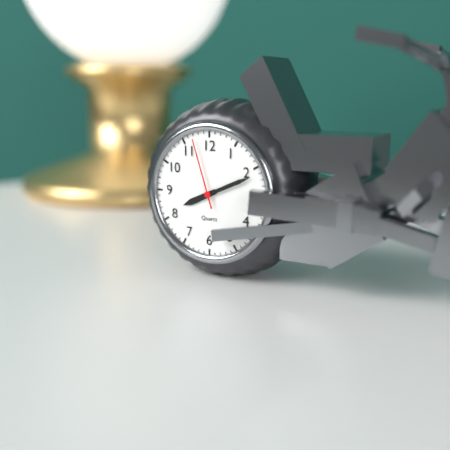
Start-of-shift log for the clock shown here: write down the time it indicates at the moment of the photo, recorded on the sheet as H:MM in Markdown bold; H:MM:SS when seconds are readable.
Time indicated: **8:11:57**
